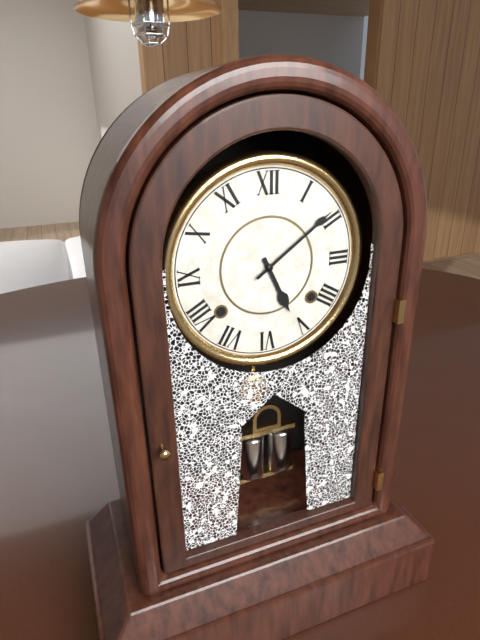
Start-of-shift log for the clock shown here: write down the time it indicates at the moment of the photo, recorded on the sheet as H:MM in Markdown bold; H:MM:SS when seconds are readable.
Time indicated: **5:09**
